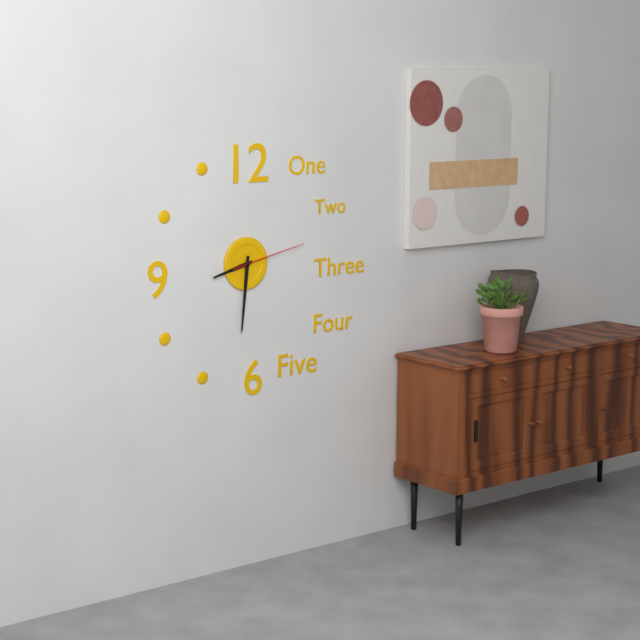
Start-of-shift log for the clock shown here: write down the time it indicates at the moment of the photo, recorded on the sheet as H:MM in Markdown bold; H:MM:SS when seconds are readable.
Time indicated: **8:31:13**
